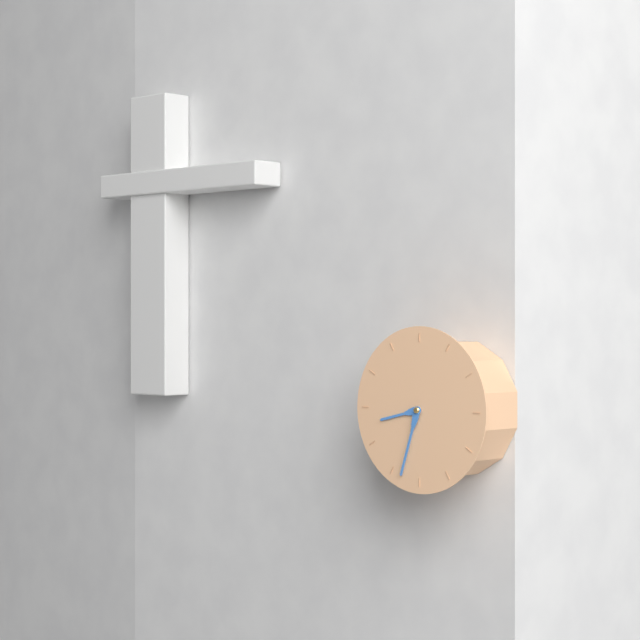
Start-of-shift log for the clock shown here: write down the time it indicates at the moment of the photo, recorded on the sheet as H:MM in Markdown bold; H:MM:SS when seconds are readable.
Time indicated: **8:33**
